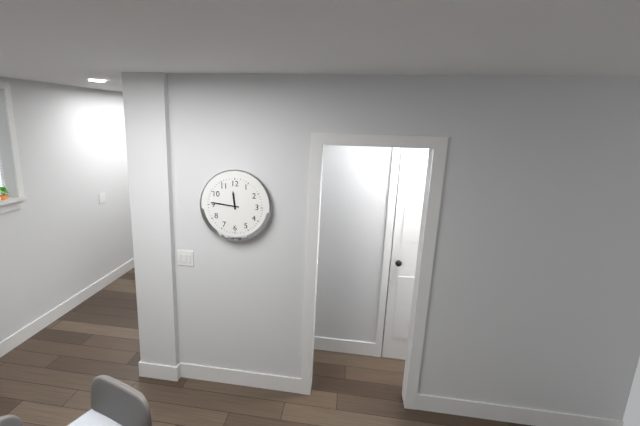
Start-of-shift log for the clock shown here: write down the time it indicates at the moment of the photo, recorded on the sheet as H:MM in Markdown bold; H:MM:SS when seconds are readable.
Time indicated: **11:46**
